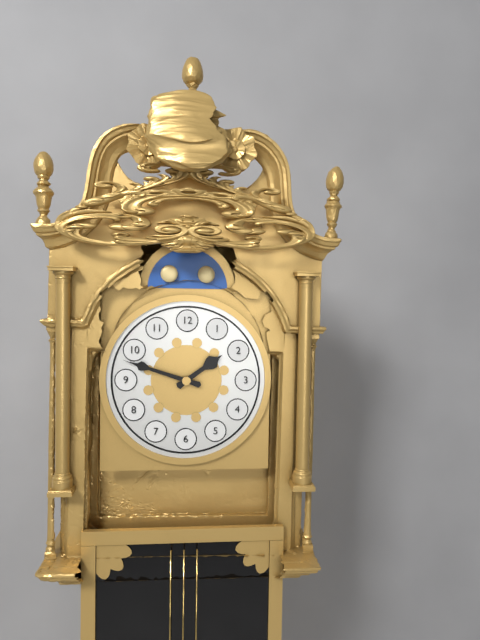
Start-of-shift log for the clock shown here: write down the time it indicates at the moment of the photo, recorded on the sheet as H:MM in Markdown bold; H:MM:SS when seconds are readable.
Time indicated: **1:48**
